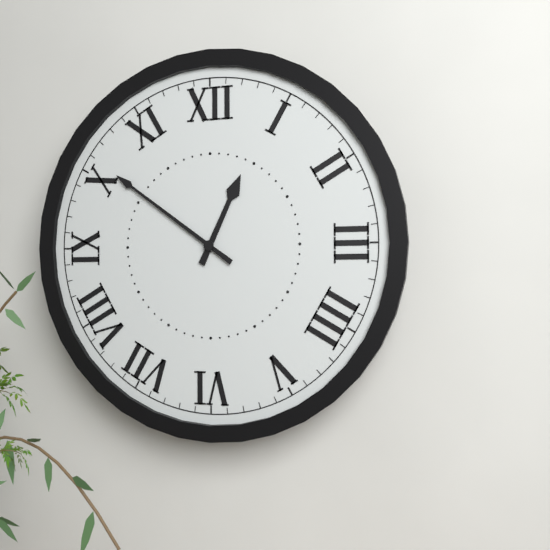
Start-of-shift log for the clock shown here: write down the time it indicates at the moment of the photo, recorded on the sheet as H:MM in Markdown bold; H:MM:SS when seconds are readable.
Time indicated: **12:51**
